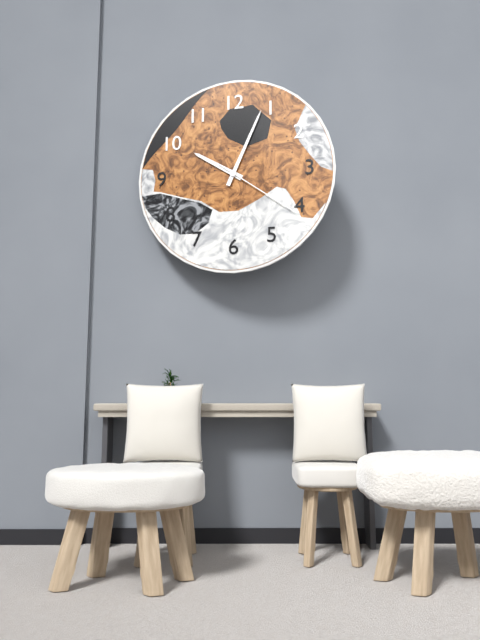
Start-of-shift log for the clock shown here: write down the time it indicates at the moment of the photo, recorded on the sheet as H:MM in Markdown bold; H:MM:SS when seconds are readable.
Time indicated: **10:04:21**
